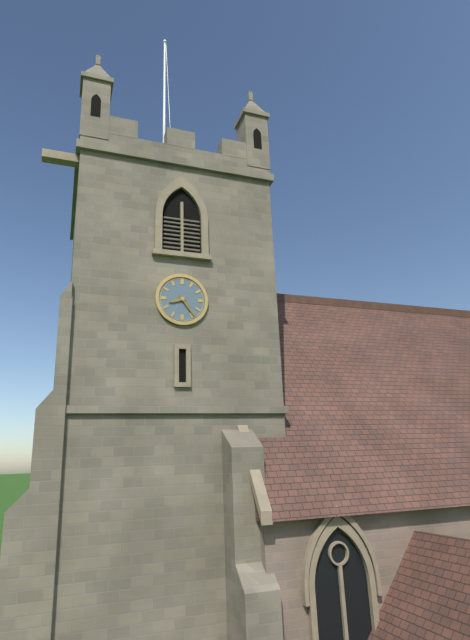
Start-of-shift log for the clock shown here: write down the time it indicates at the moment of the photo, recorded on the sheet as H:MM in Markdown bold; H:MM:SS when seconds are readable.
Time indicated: **8:24**
